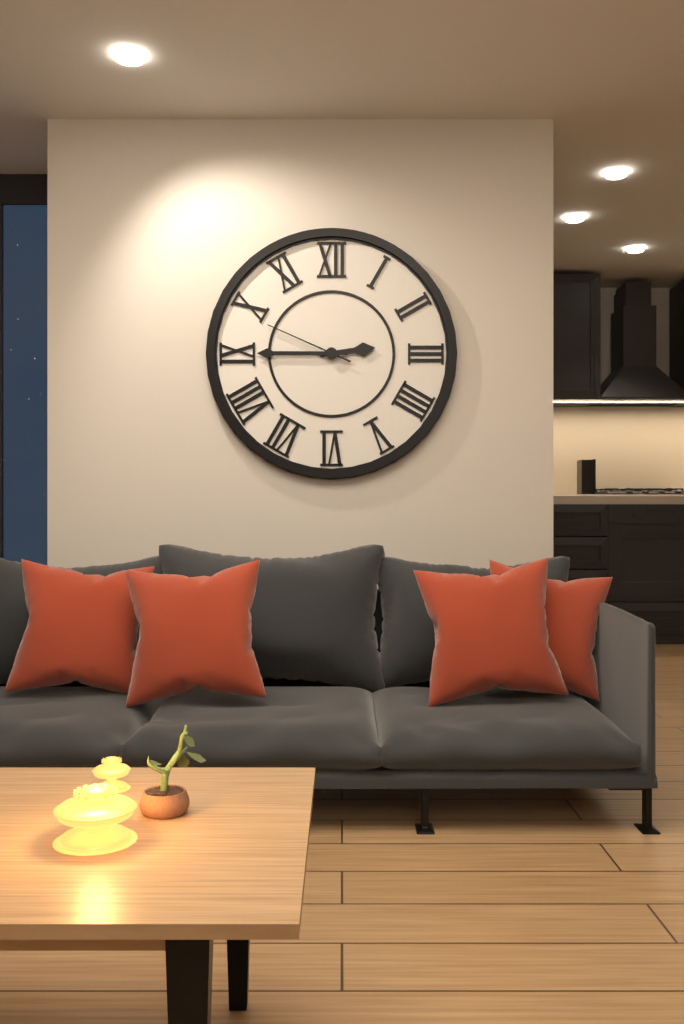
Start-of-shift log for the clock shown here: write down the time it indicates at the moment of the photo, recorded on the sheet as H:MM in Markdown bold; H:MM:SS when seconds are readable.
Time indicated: **2:45:49**
